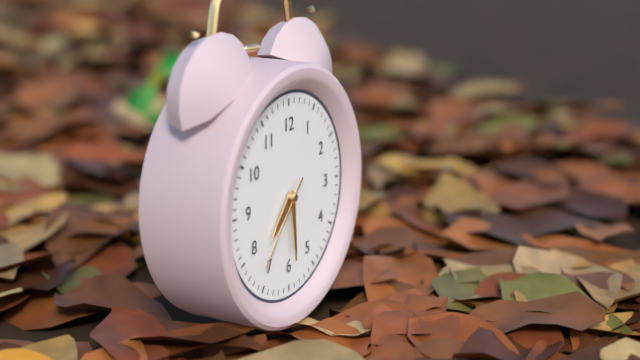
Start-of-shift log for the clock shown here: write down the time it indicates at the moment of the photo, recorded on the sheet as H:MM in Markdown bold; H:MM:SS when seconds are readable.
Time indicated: **7:29:37**
